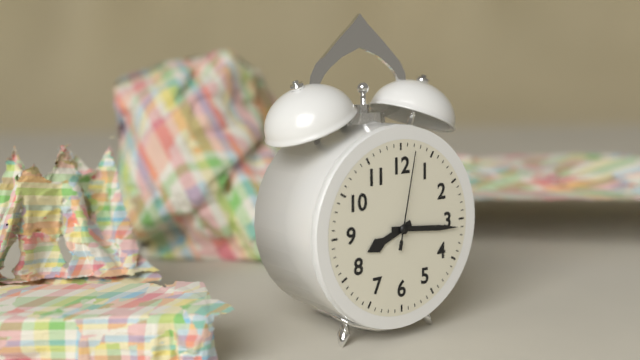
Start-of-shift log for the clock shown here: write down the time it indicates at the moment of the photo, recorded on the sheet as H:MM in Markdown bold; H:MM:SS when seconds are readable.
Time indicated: **8:16:02**
